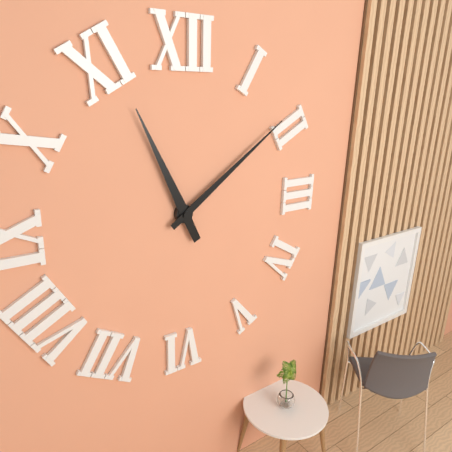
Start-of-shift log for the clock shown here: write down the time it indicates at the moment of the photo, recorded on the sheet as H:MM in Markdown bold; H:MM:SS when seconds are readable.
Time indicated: **11:09**
